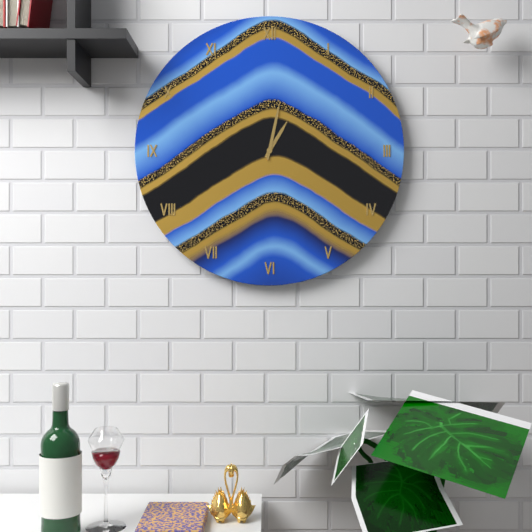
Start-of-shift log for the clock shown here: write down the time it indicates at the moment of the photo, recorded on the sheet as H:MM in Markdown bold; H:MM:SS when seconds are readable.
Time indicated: **1:02**
